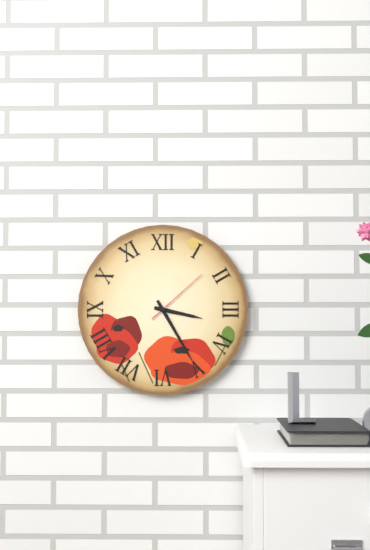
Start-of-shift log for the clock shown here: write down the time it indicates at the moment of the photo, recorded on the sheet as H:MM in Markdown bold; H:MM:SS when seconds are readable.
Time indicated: **3:25:08**
